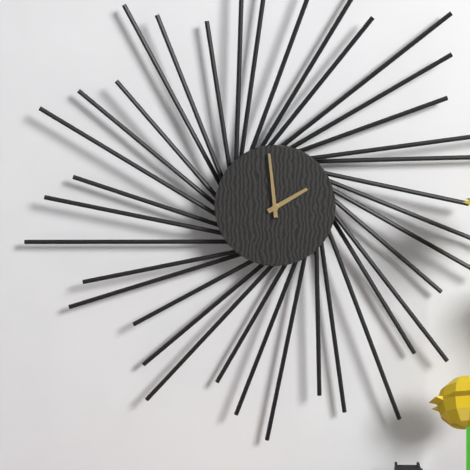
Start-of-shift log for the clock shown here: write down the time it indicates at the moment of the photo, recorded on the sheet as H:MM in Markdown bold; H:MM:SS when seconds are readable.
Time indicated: **1:59**
